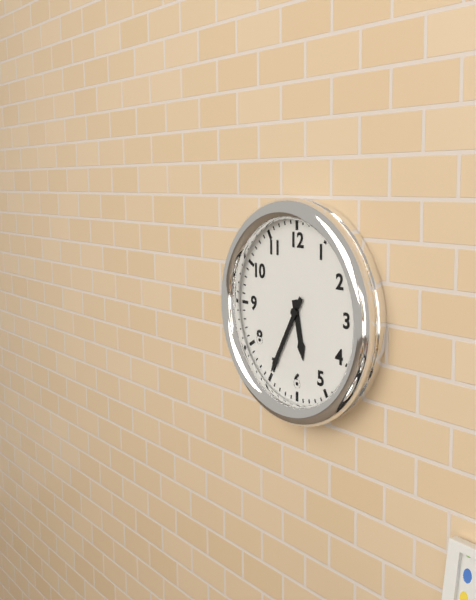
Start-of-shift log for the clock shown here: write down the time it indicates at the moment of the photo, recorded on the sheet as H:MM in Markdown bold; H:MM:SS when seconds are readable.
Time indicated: **5:35**
